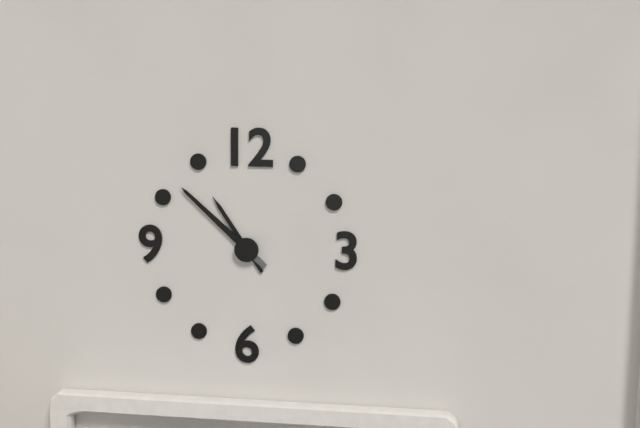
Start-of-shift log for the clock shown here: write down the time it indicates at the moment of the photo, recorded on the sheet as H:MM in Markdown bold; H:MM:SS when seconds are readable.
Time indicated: **10:52**
